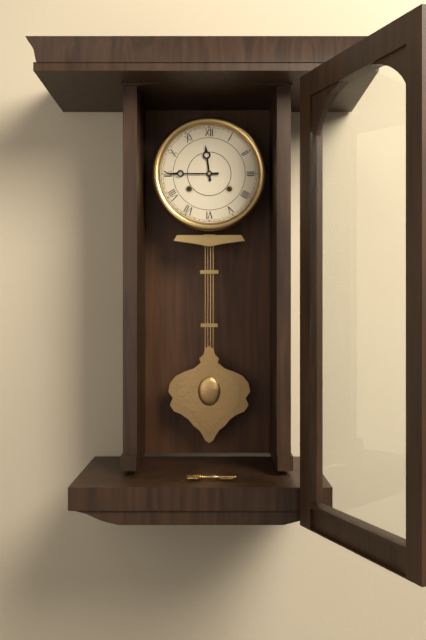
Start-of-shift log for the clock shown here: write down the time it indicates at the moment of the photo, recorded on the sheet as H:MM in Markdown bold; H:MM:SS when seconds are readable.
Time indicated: **11:45**
